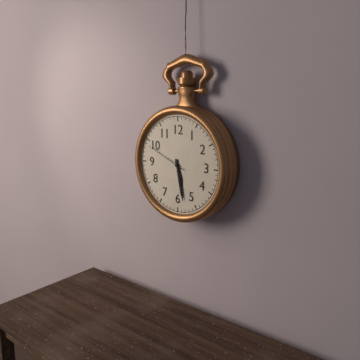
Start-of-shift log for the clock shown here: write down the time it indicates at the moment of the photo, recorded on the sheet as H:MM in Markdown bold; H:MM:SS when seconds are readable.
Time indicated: **5:28**
